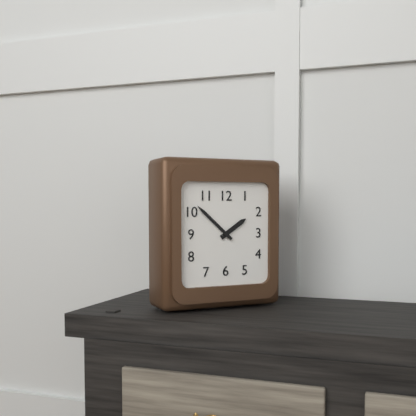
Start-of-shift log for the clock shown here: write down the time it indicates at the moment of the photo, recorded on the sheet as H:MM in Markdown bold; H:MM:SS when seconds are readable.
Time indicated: **1:52**
